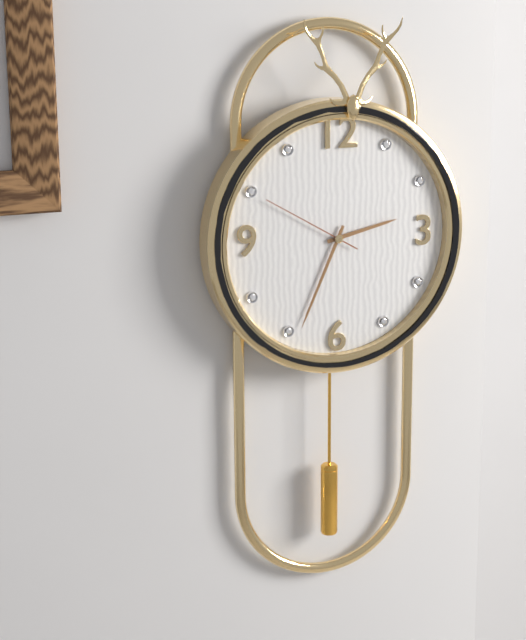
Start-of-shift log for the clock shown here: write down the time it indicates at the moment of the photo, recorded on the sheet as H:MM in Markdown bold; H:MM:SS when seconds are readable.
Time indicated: **2:34:50**
